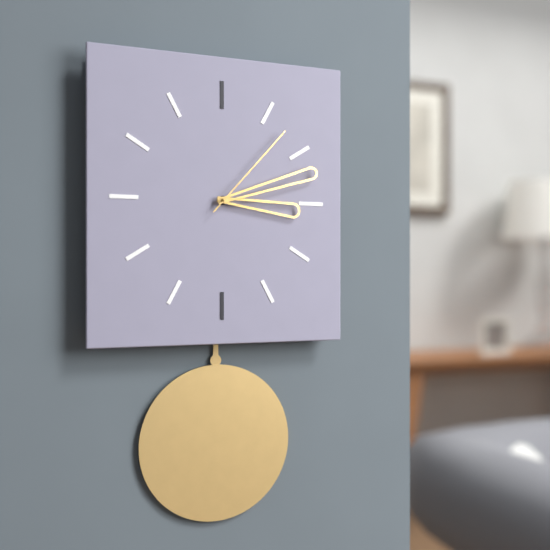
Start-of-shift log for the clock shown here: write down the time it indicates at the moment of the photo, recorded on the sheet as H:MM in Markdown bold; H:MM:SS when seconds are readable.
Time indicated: **3:12:07**
